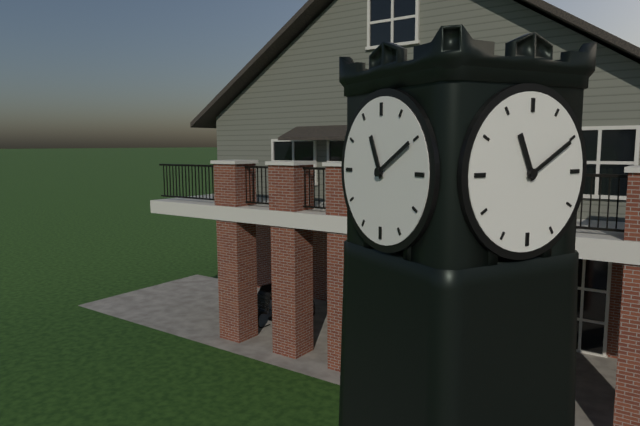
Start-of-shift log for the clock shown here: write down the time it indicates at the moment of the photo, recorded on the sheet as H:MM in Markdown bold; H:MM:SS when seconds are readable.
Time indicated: **11:10**
